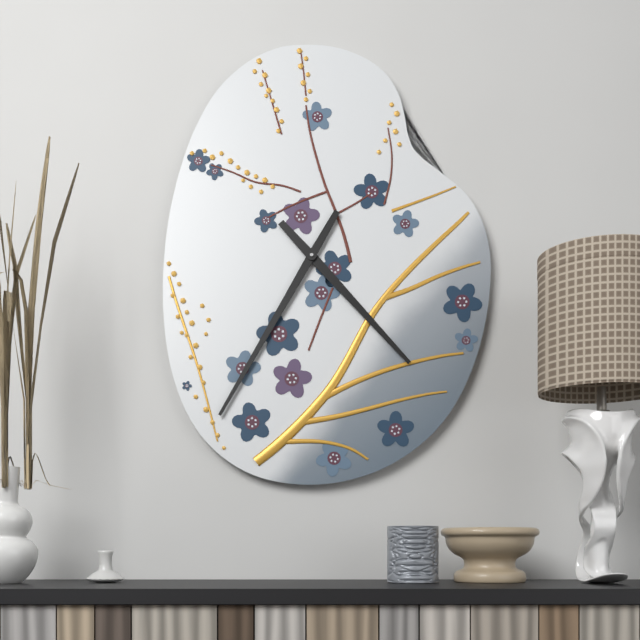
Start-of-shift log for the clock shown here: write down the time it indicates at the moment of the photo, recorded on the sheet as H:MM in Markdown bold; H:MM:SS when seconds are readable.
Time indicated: **4:35**
